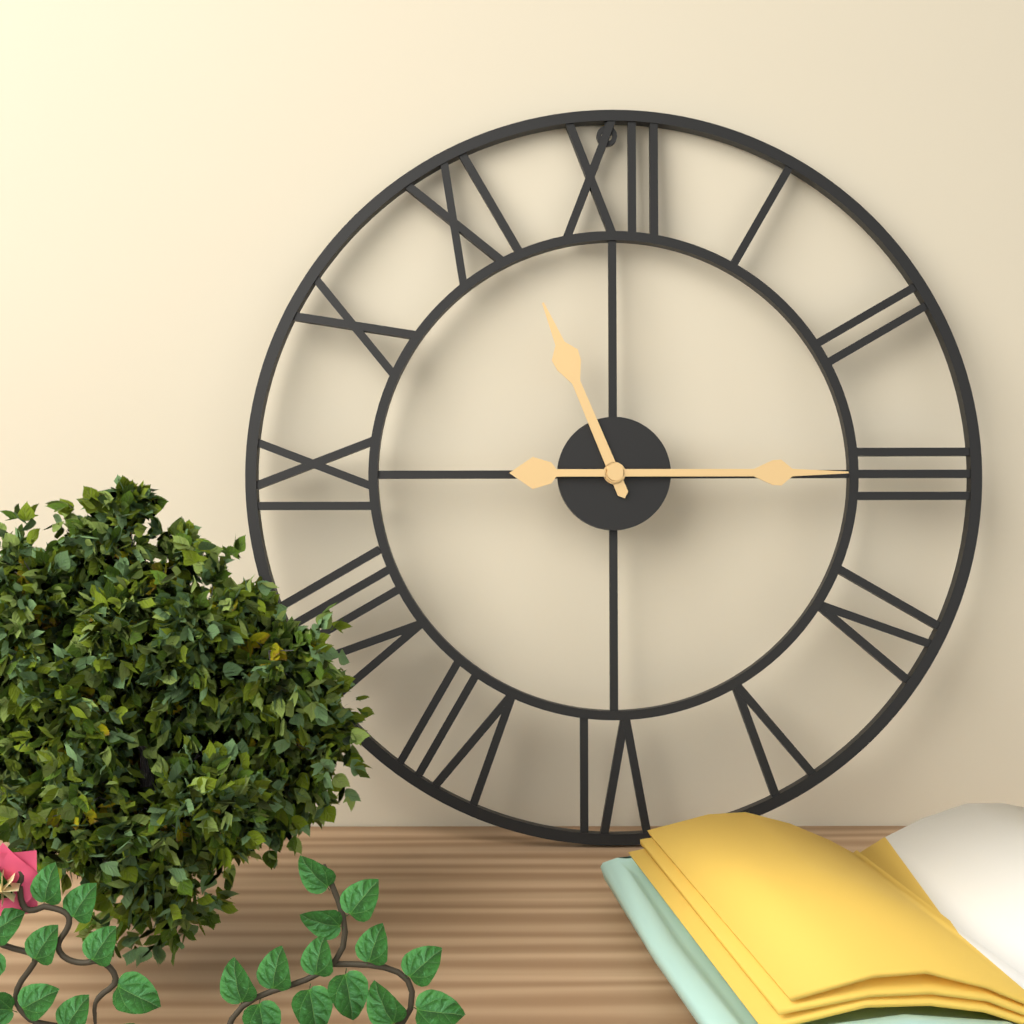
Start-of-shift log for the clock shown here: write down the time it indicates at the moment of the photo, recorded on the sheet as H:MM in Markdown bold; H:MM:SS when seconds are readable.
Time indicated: **11:15**
